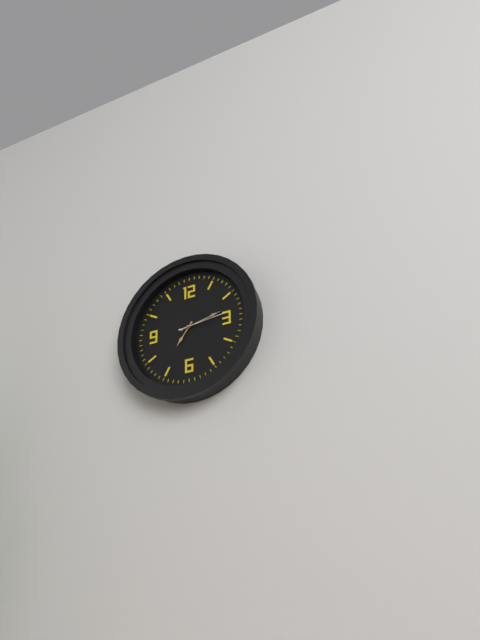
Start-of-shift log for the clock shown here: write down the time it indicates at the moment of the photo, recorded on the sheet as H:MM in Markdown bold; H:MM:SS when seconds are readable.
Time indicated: **7:13:14**
